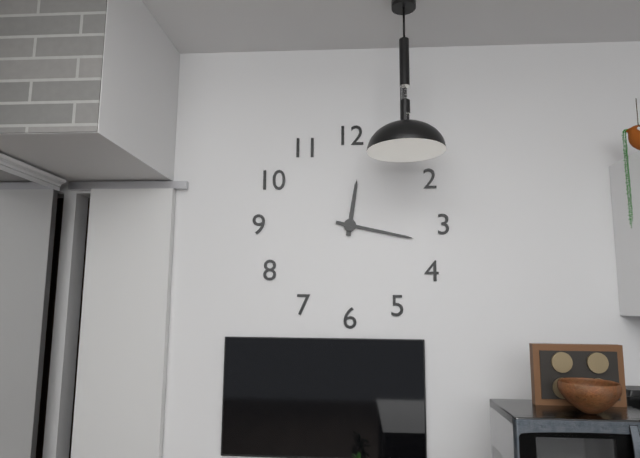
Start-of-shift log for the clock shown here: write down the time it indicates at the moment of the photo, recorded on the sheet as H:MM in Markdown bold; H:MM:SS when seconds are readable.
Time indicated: **12:17**
